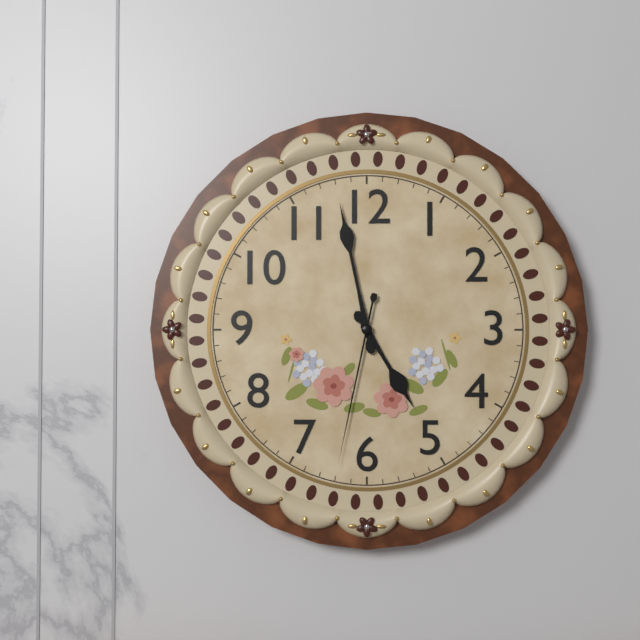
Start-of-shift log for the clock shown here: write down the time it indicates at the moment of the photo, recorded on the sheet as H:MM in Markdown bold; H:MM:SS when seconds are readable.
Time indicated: **4:58:32**
